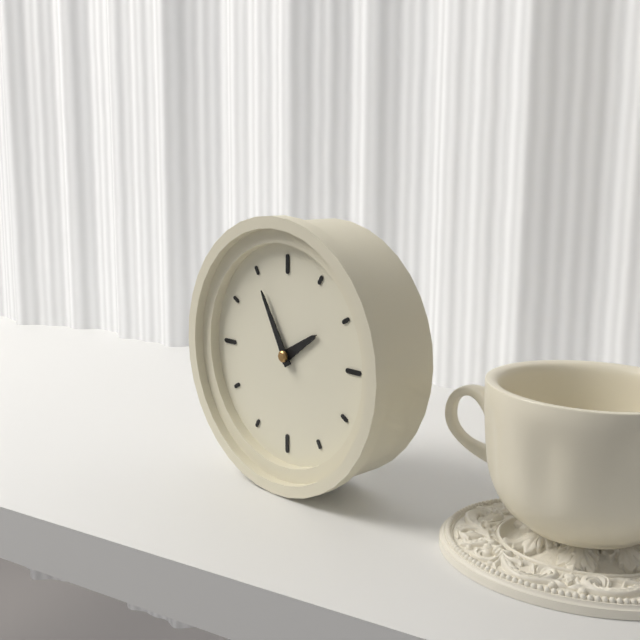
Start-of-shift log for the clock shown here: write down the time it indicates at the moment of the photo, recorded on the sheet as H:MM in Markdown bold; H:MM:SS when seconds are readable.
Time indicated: **1:55**
